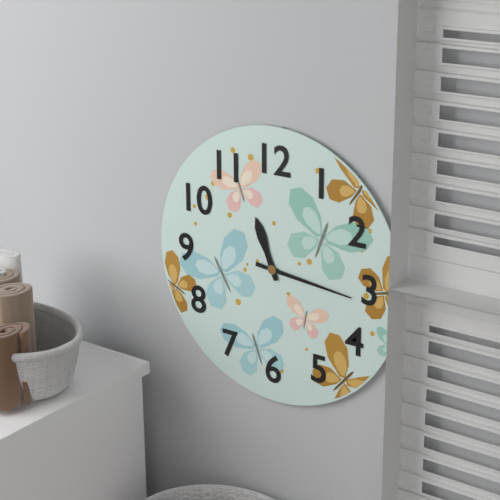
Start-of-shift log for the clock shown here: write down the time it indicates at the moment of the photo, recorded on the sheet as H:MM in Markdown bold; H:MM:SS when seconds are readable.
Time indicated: **11:16**
